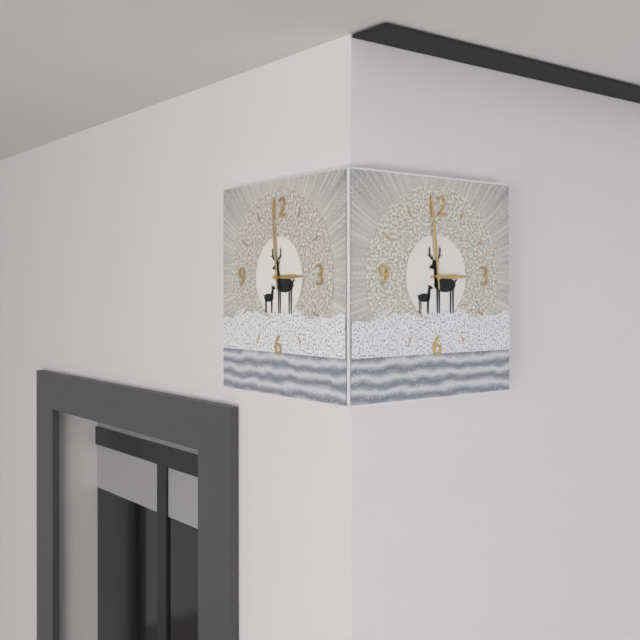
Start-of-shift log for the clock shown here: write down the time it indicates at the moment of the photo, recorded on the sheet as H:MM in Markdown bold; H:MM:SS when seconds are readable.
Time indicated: **2:59**
